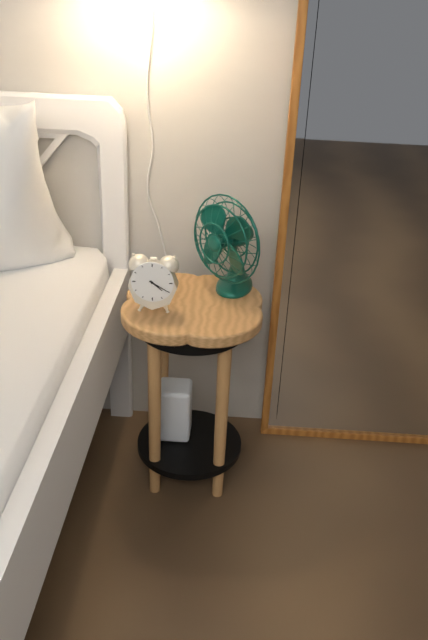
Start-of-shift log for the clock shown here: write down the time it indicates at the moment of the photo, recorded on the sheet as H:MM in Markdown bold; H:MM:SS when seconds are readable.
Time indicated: **4:20**
